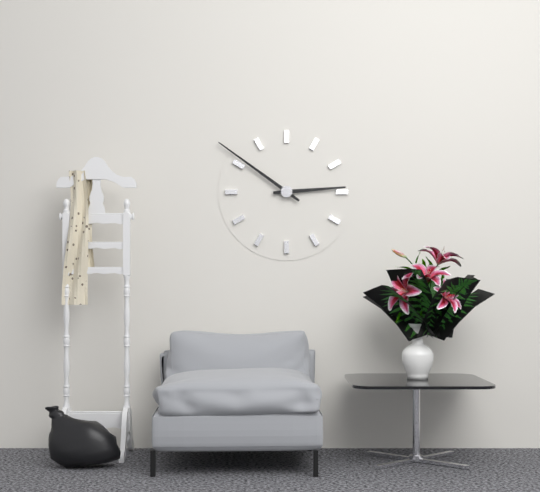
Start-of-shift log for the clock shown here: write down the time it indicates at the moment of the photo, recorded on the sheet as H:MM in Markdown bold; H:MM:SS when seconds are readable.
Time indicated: **2:51**
